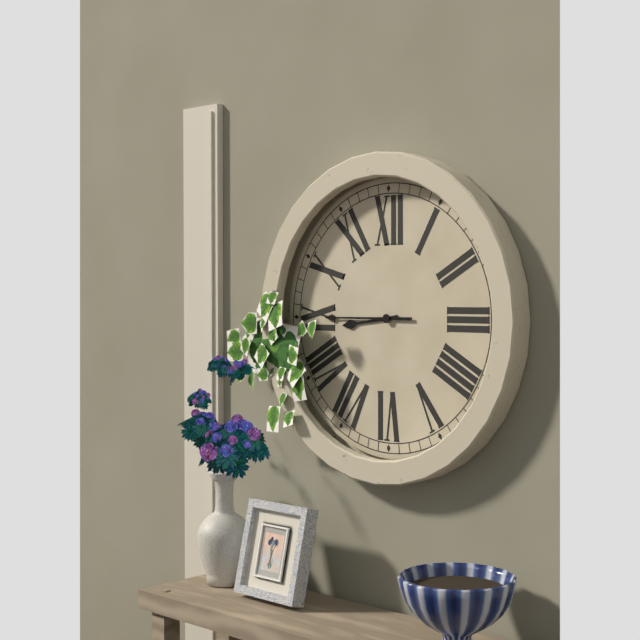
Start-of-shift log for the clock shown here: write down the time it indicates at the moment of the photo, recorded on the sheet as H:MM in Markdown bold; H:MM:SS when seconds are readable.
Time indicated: **8:45**
